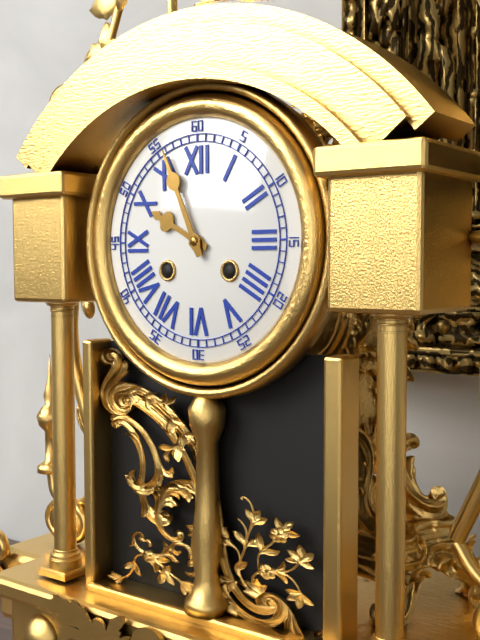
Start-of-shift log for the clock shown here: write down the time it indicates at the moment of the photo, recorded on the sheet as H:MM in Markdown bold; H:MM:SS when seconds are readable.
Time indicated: **9:56**
